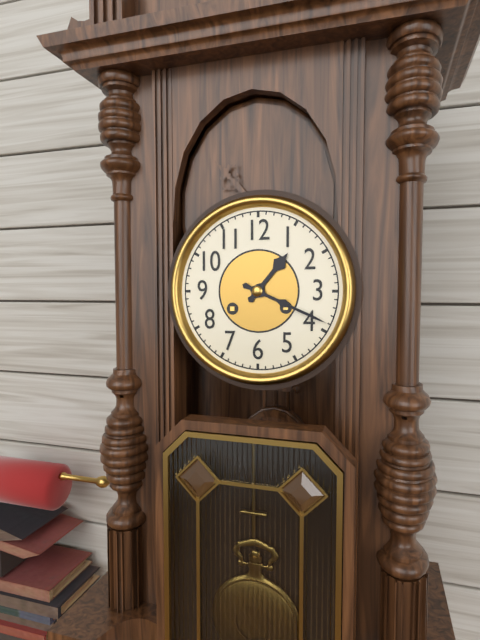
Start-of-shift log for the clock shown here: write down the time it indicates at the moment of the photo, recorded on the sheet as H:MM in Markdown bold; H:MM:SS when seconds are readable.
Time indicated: **1:19**
